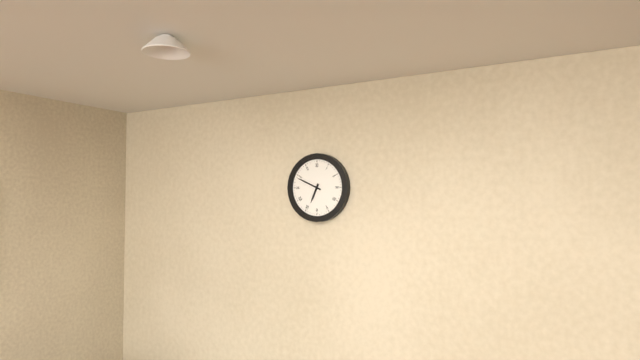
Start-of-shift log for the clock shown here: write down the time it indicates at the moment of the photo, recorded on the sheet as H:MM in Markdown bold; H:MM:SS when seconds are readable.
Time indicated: **6:49**
